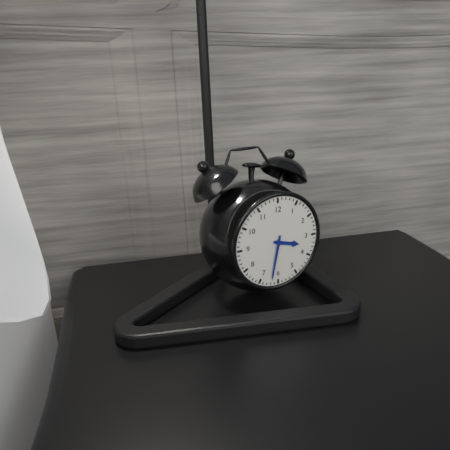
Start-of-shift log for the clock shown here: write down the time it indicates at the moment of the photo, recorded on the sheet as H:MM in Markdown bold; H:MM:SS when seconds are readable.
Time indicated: **3:32**
